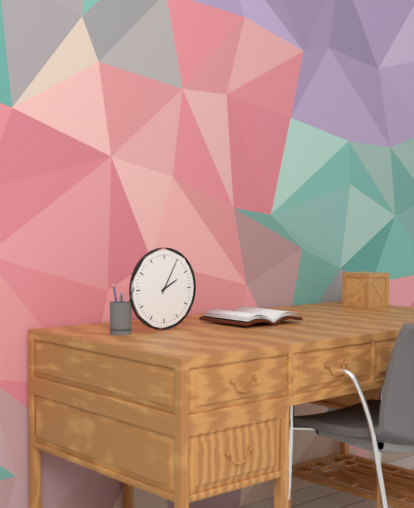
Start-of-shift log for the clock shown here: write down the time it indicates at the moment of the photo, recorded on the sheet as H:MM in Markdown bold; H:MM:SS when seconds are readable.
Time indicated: **2:05**
